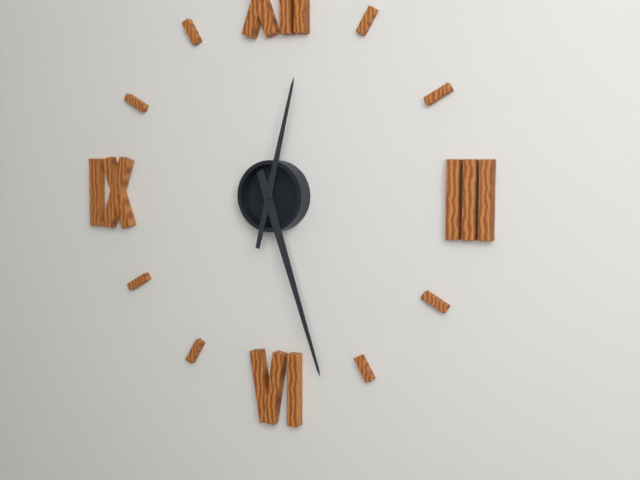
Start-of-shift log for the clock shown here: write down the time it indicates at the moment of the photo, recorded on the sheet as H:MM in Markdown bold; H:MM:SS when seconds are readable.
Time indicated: **12:27**
